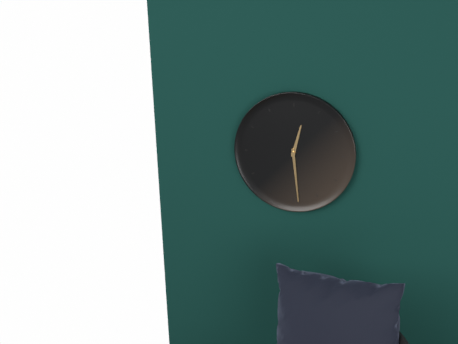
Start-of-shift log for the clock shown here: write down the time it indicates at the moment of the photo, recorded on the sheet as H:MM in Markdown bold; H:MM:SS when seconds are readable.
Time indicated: **12:29**
